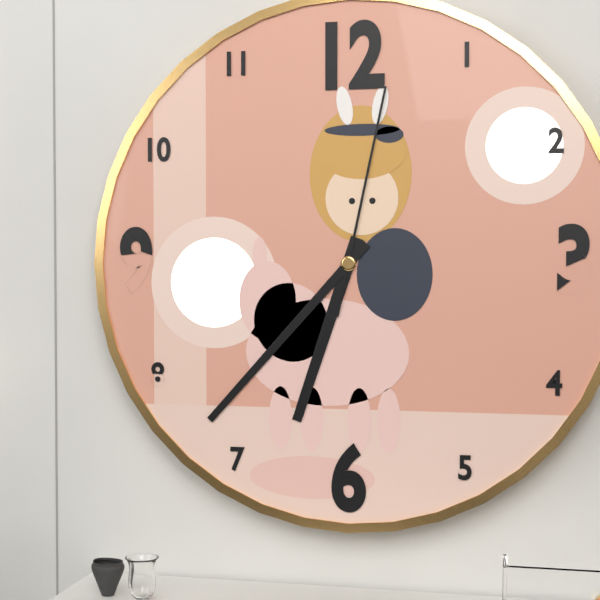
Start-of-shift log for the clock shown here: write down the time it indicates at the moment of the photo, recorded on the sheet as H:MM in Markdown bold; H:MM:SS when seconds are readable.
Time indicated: **6:37:02**
